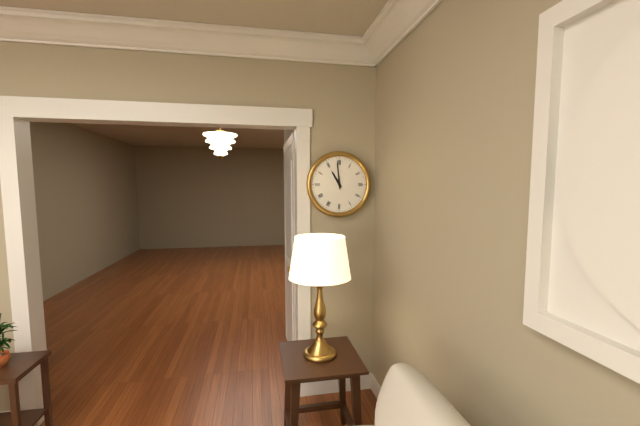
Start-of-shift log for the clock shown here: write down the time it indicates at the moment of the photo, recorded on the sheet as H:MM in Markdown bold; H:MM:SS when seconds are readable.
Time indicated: **10:59**
